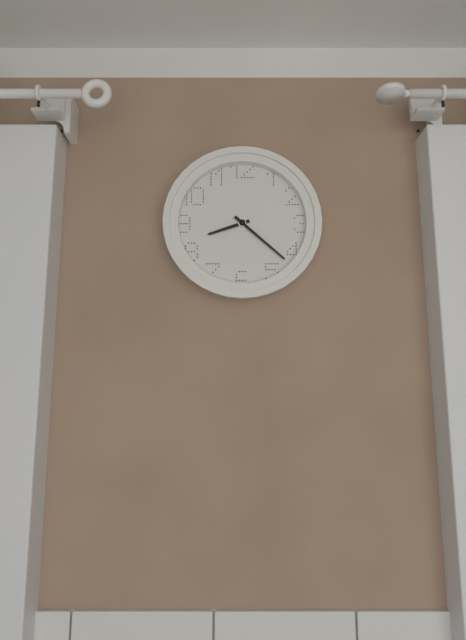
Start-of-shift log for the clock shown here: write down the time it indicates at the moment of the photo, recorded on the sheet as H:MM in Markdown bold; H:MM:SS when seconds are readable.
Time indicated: **8:22**
